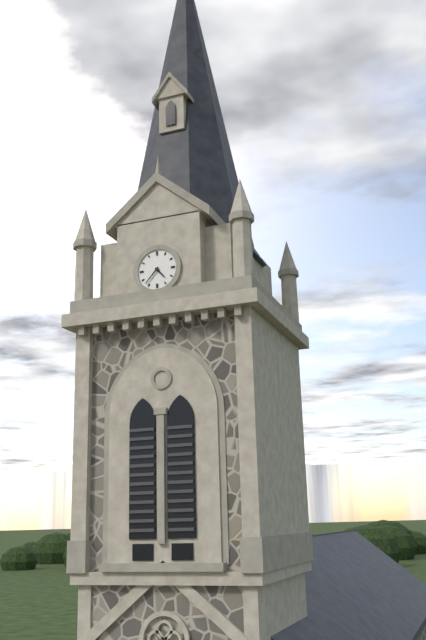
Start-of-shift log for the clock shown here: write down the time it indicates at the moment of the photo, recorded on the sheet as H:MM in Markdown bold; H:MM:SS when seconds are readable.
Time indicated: **4:37**
